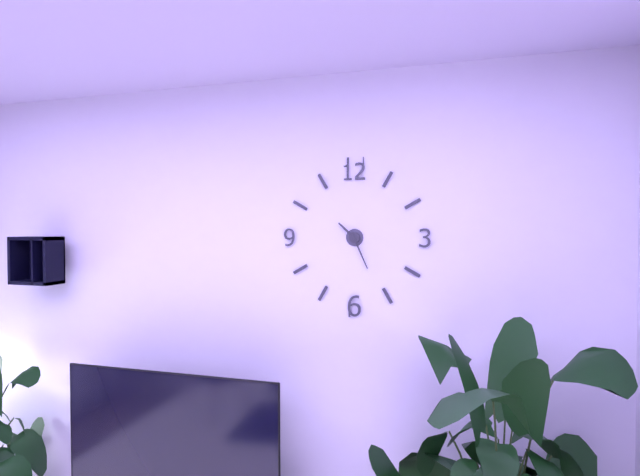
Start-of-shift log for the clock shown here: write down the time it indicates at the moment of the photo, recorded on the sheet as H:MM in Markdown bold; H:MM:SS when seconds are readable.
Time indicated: **10:26**
